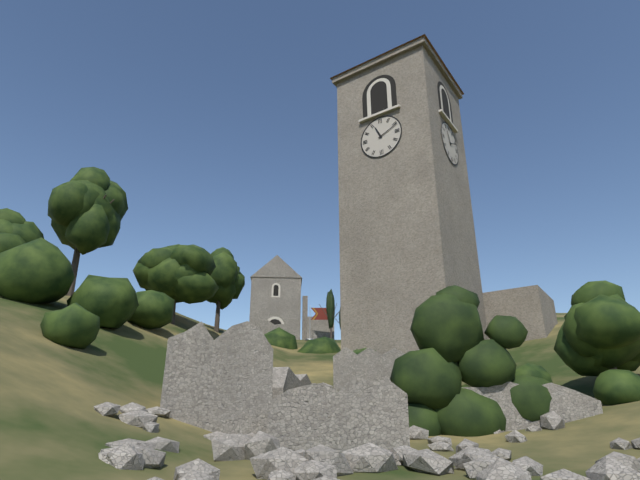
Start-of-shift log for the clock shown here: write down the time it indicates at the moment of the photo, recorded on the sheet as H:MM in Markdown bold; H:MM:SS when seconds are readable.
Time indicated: **11:11**
